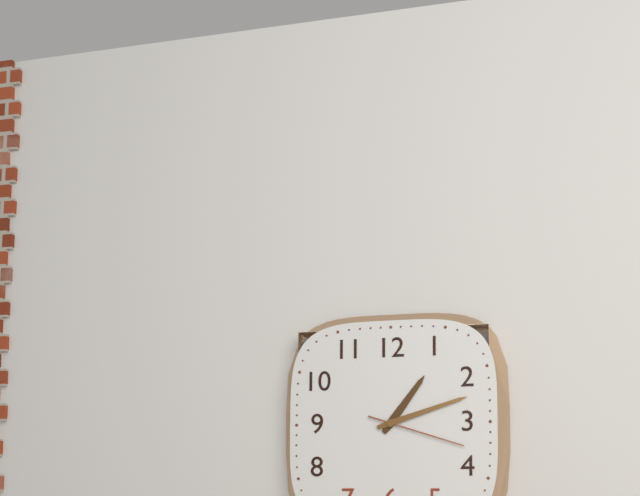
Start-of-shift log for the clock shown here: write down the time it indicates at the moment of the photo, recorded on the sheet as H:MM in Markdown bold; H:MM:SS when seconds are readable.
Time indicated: **1:12:18**
